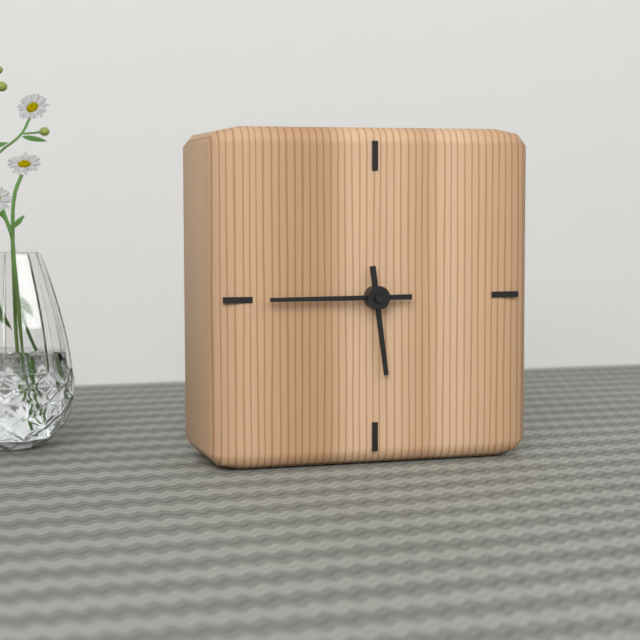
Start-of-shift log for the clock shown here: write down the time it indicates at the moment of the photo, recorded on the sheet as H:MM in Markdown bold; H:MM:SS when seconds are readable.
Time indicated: **5:45**
